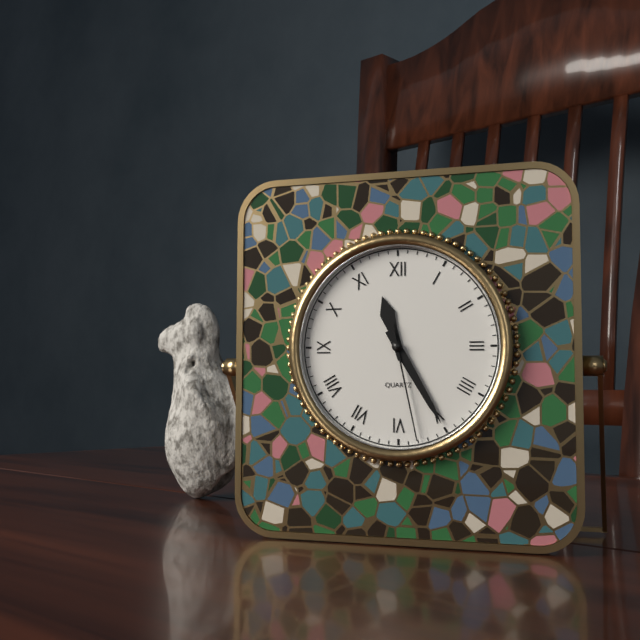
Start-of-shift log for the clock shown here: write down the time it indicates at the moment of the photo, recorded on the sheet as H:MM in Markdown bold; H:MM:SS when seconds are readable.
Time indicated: **11:25:28**
